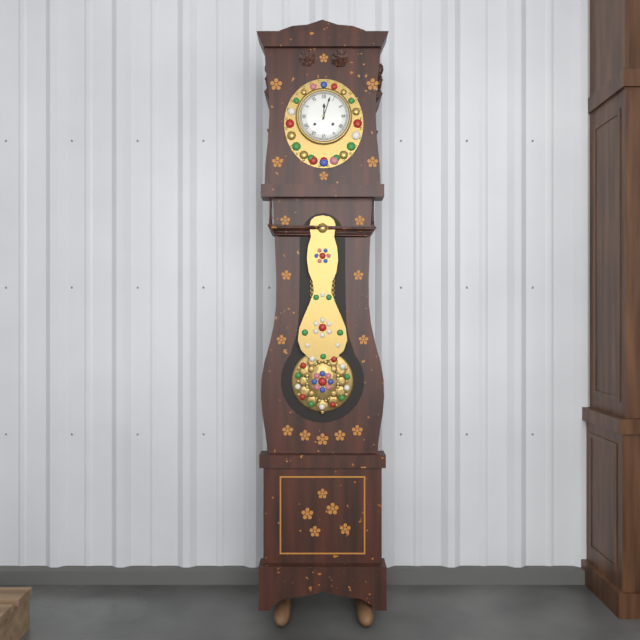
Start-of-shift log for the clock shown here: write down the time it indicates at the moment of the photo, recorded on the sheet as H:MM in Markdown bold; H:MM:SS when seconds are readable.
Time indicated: **12:03**
